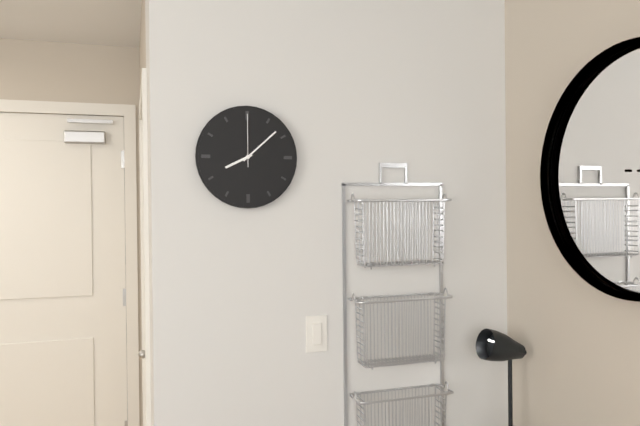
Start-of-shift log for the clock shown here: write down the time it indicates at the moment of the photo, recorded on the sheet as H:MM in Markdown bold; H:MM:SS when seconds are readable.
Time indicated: **8:08:00**
